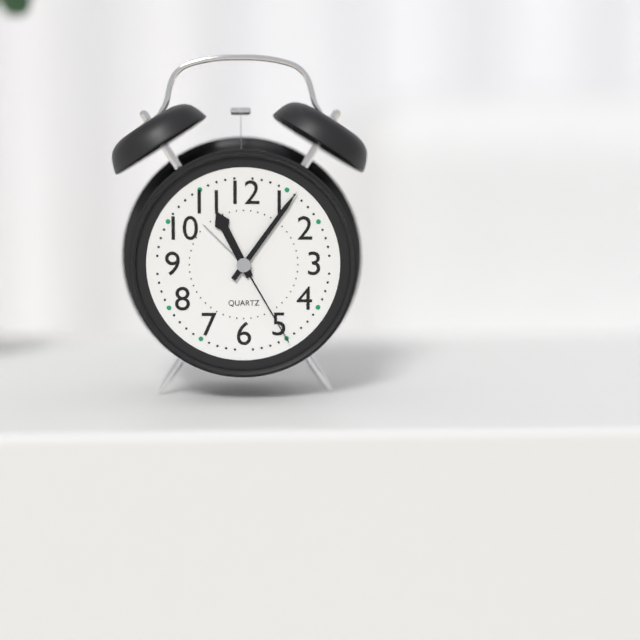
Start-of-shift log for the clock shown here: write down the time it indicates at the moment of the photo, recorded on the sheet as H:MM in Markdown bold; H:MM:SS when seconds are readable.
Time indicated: **11:06:25**
